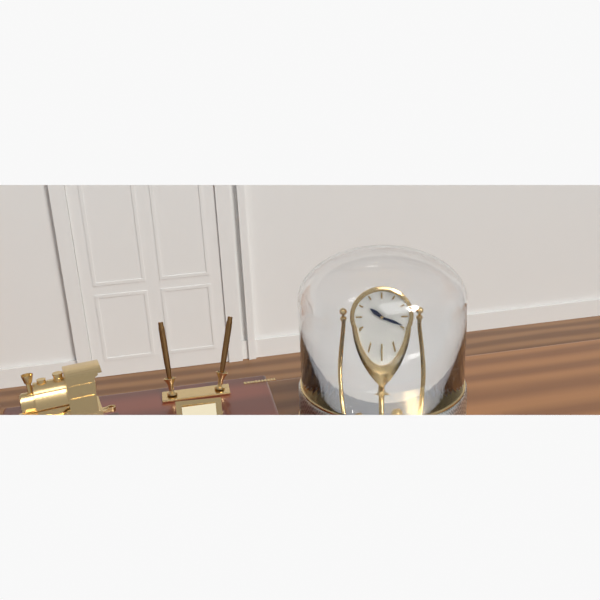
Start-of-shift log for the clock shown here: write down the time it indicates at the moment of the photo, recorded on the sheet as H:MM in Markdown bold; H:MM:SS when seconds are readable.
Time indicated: **10:19**
